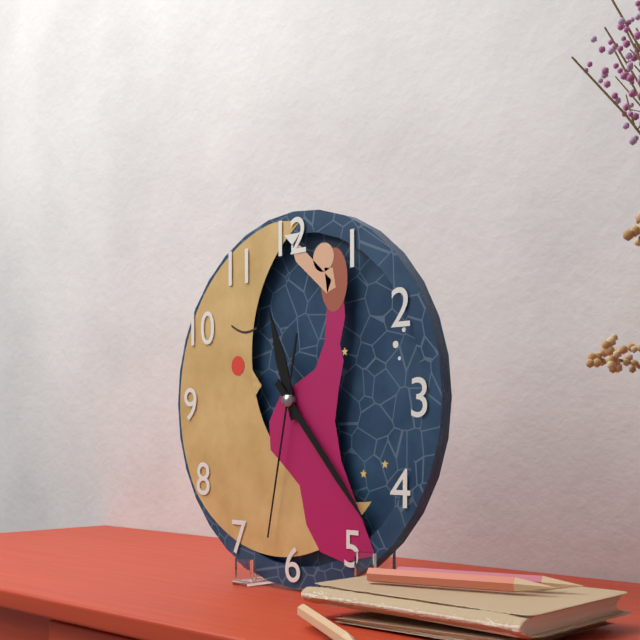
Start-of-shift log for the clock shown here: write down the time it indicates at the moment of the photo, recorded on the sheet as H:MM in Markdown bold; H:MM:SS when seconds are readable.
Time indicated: **11:23:32**
